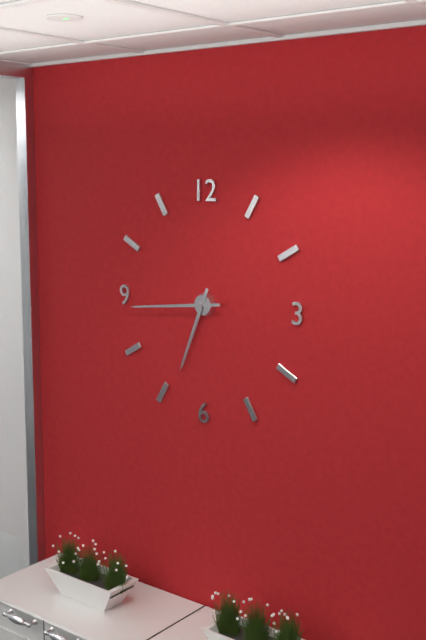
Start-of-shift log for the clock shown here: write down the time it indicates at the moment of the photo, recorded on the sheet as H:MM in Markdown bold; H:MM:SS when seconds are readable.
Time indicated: **6:44**
